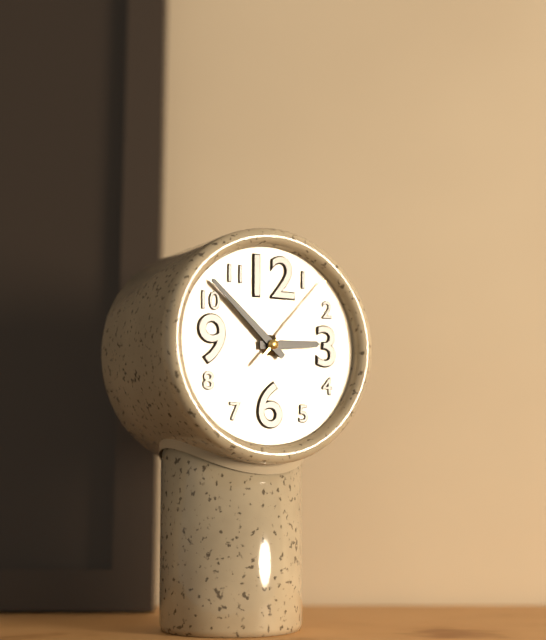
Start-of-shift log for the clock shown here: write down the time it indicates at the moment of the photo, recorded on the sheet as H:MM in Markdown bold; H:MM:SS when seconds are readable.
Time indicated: **2:52:07**
